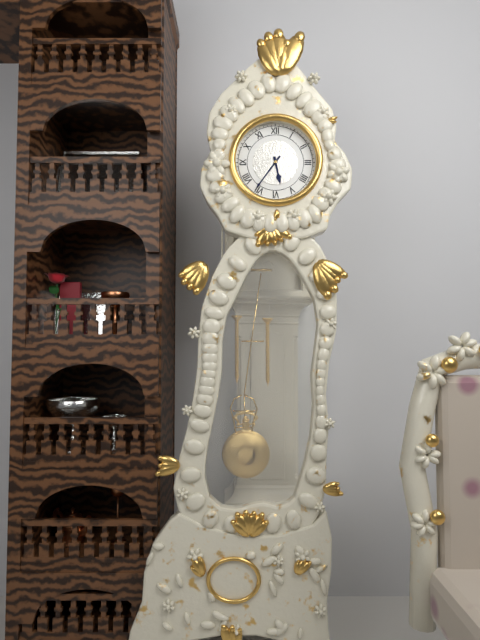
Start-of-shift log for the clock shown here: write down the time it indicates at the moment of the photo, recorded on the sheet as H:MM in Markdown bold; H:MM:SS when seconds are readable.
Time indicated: **5:36**
